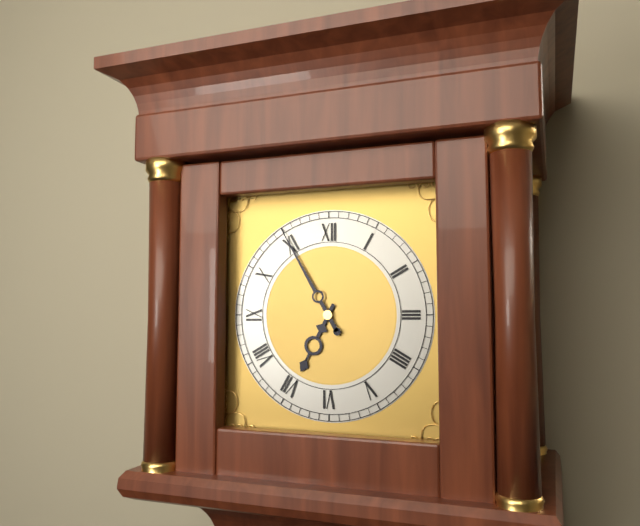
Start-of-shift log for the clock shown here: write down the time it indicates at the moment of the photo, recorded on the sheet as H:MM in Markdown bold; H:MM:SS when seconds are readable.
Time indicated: **6:55**
